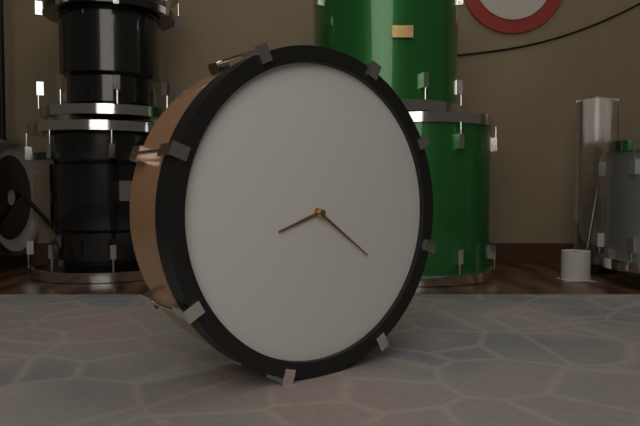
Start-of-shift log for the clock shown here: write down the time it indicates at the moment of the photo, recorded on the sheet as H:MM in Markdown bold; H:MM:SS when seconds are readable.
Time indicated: **8:21**
